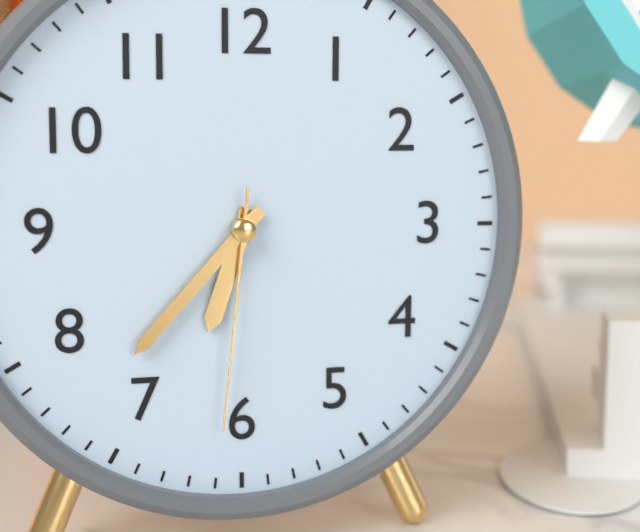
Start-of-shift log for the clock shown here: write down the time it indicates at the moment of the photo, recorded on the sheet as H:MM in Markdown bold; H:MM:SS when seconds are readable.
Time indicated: **6:37:31**
